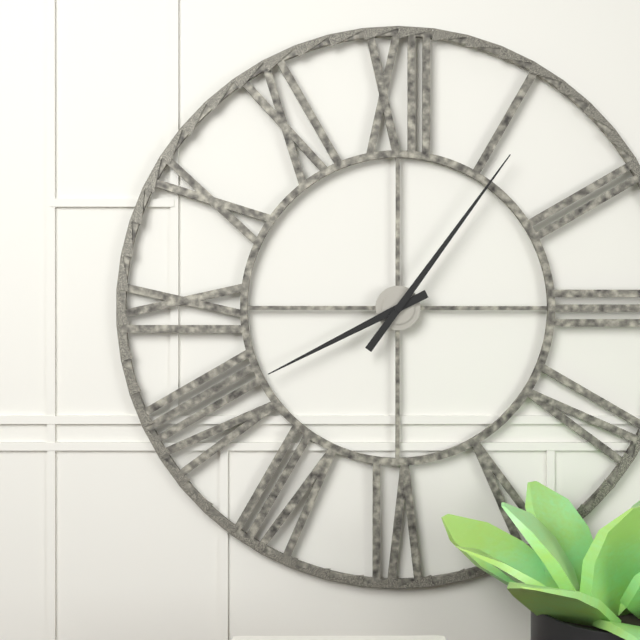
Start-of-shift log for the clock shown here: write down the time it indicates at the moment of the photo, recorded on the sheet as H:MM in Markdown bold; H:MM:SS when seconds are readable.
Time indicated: **8:06**
